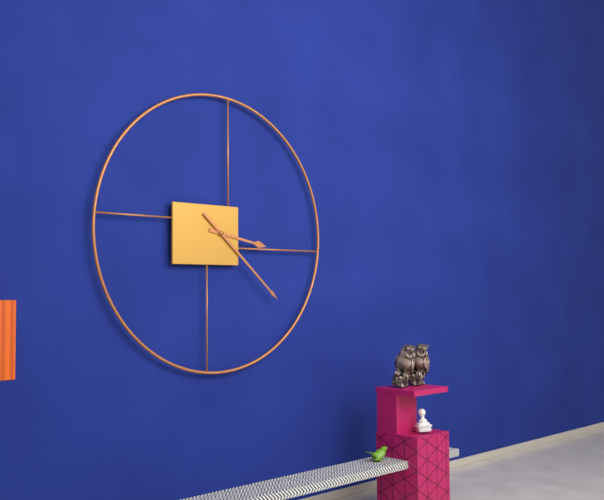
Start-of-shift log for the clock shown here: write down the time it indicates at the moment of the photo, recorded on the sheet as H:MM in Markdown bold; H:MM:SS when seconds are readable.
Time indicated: **3:22**
